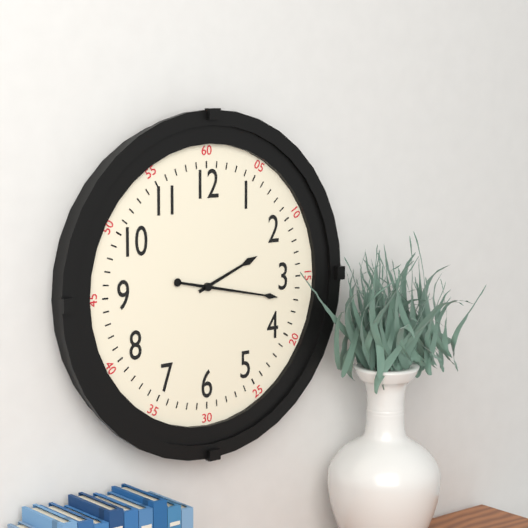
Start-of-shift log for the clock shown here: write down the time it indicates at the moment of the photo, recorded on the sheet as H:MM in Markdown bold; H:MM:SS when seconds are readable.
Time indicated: **2:17**
